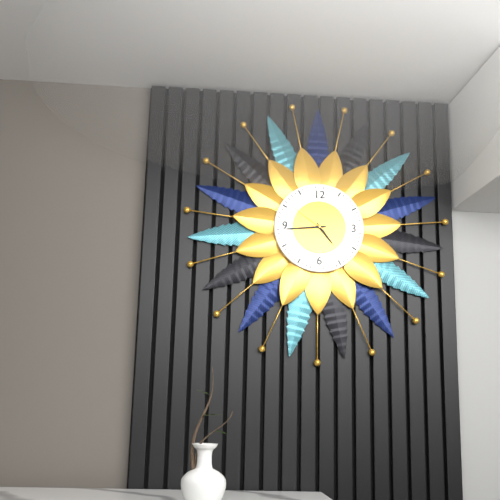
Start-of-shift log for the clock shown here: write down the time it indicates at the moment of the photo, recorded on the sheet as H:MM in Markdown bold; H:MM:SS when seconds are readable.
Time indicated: **4:44**
